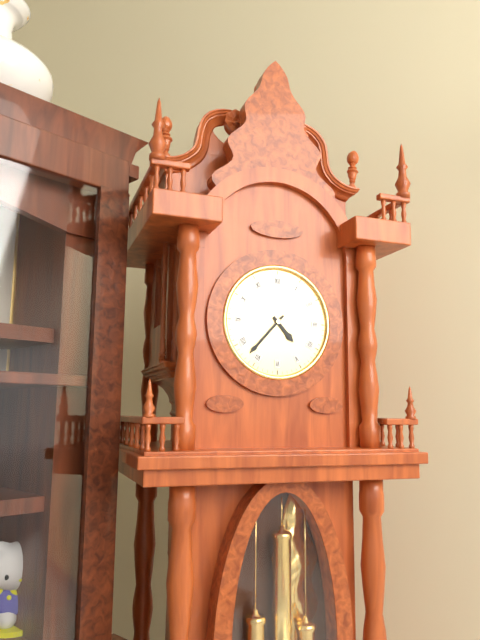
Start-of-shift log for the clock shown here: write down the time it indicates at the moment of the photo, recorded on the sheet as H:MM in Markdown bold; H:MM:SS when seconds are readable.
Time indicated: **4:37**
